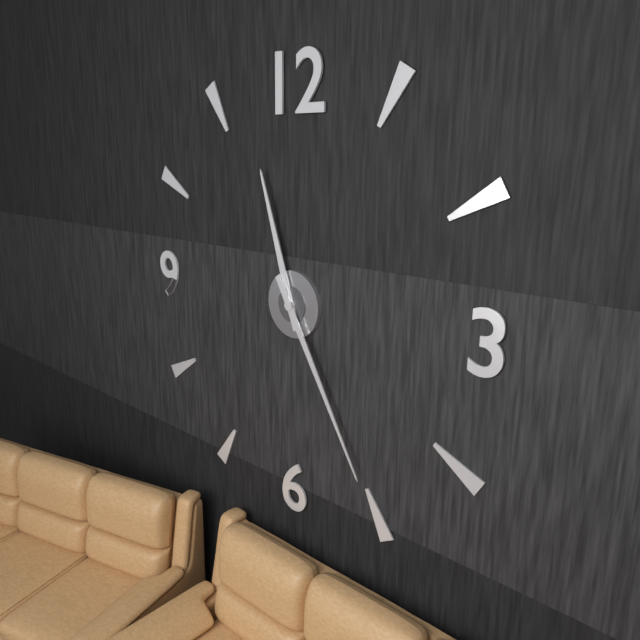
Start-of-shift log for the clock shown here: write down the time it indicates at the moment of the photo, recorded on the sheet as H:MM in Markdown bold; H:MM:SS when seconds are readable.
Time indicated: **11:25**
